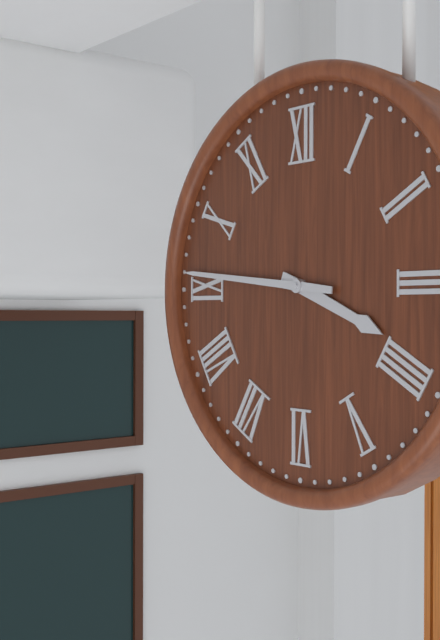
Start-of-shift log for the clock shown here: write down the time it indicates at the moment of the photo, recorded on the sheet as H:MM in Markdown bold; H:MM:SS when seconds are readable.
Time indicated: **3:46**
